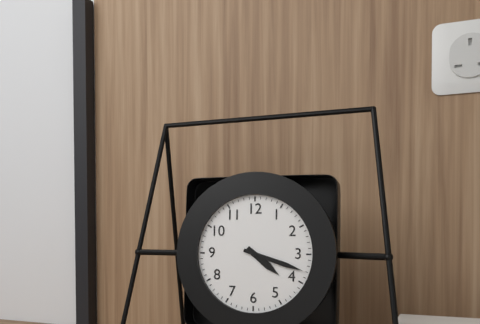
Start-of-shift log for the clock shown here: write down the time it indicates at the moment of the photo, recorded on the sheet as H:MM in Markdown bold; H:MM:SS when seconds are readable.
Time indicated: **4:18**
